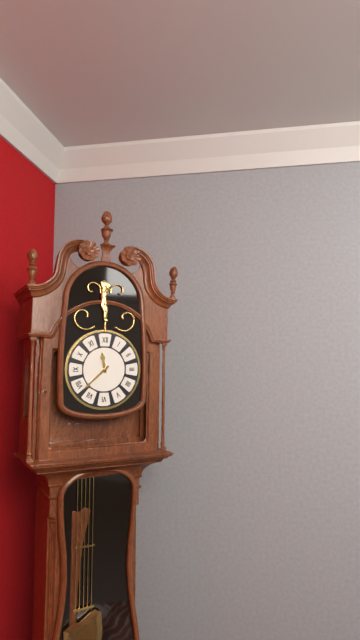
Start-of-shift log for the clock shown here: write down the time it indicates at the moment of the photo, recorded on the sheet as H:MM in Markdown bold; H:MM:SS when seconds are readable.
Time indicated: **11:38**
